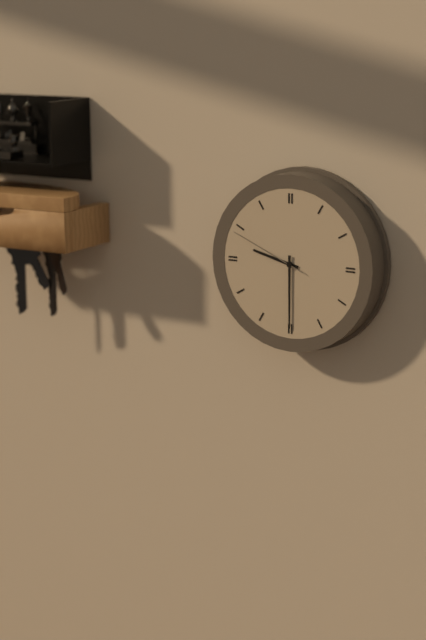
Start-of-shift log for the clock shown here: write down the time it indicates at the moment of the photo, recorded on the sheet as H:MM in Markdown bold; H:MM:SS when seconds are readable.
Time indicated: **9:30:49**
